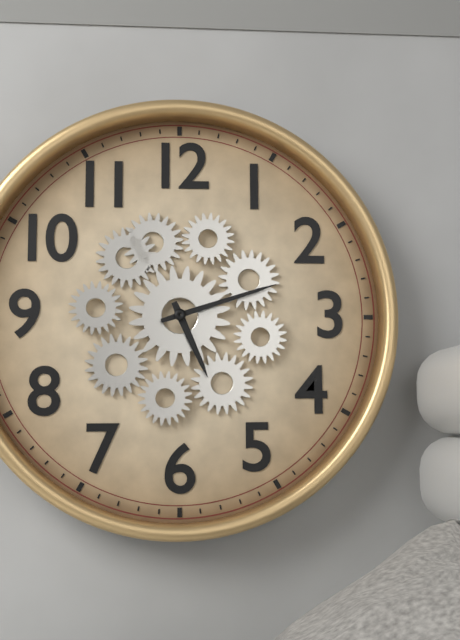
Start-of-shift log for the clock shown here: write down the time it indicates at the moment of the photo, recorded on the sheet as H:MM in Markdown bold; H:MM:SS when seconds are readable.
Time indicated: **5:12**
